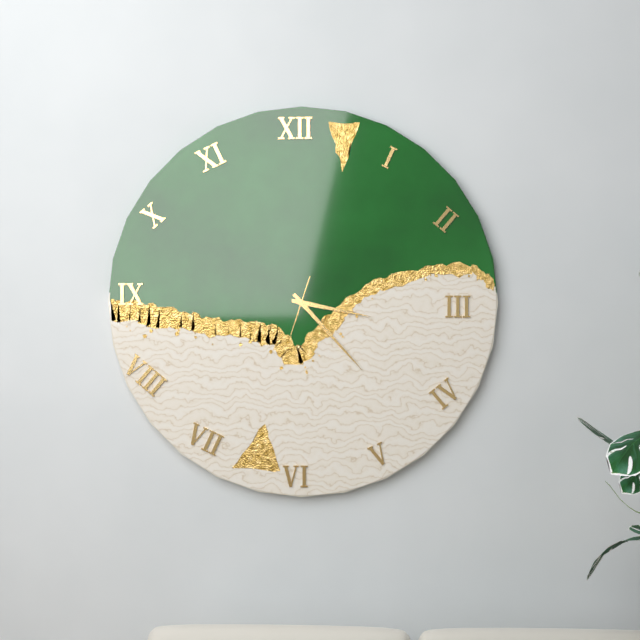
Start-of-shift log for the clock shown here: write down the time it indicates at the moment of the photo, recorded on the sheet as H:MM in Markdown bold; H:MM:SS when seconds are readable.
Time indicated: **3:23:33**
